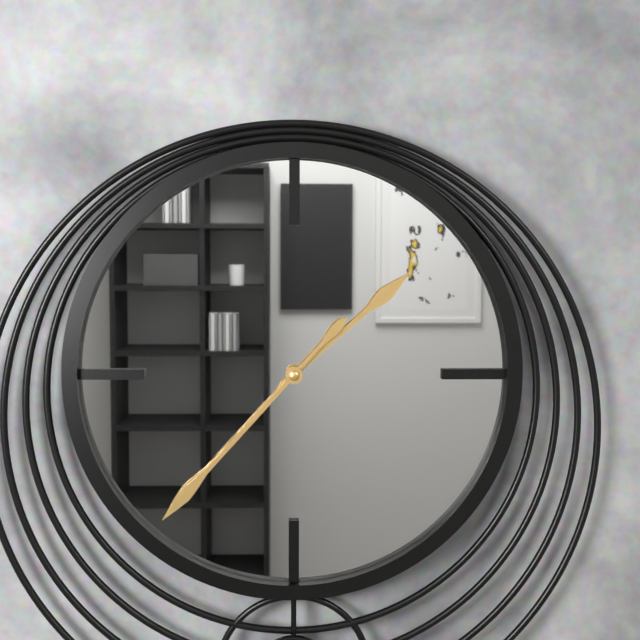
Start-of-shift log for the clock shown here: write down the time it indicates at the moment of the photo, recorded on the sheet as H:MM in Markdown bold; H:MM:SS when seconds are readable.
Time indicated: **1:37**
